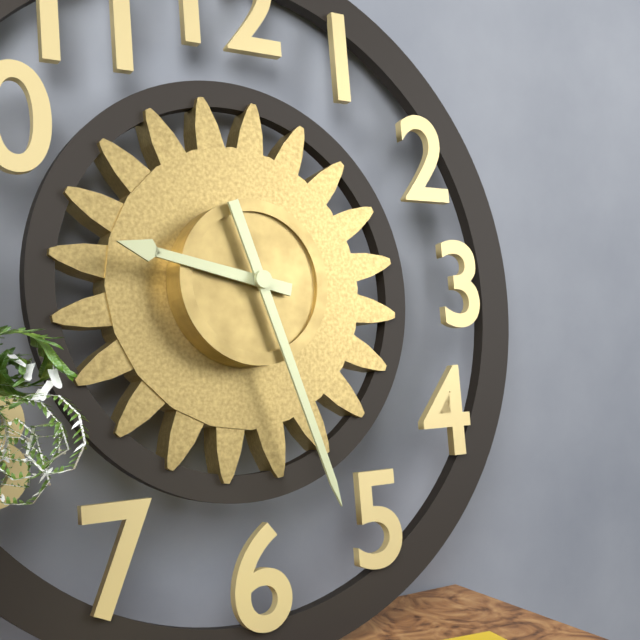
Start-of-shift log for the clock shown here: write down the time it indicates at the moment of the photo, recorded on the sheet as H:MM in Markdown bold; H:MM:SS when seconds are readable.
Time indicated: **9:27**
